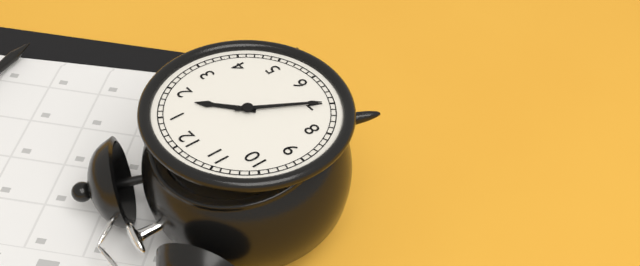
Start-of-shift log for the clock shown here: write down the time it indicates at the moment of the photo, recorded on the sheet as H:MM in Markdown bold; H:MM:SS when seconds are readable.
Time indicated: **1:35**
